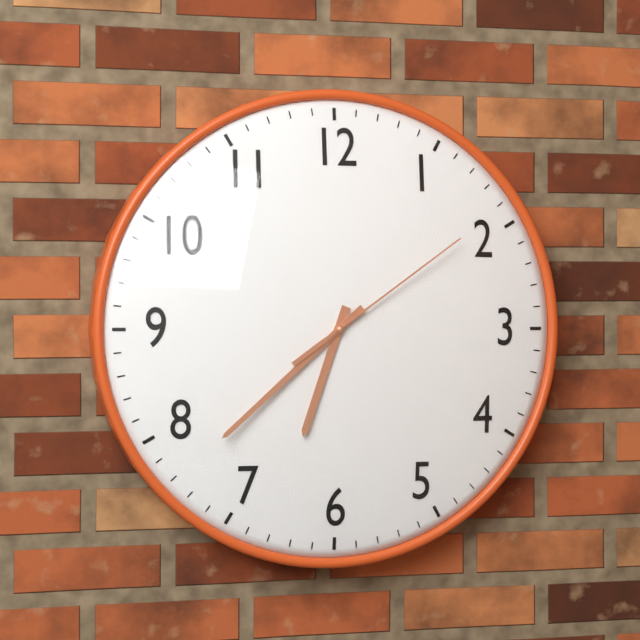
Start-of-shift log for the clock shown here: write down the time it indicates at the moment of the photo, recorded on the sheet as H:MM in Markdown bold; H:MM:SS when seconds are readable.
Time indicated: **6:38:09**
